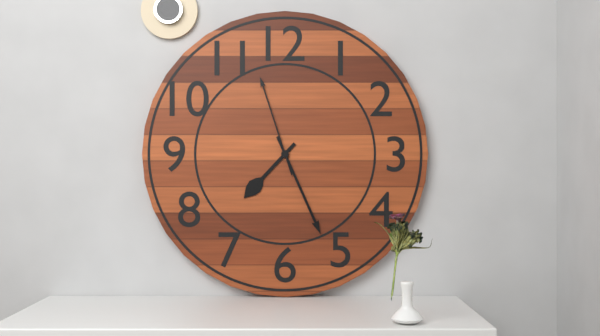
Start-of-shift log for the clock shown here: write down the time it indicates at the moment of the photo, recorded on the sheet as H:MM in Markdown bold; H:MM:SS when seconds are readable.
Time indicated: **7:26:57**
